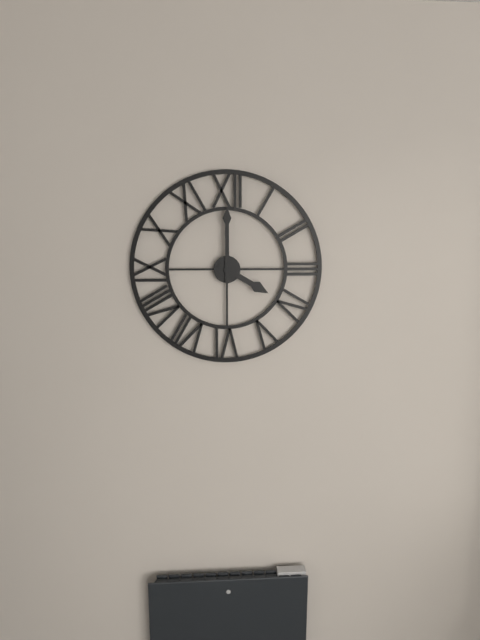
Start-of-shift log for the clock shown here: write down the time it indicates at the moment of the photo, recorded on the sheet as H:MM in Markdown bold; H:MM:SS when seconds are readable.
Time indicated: **4:00**
